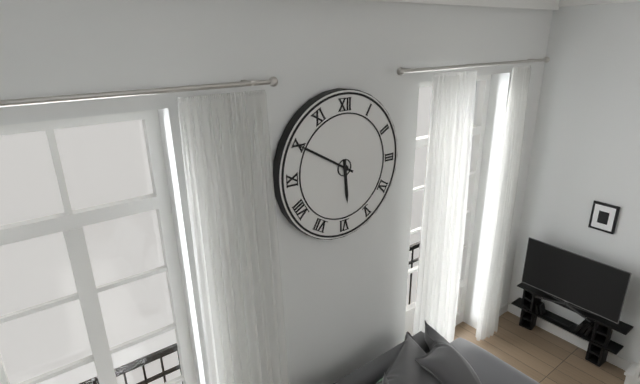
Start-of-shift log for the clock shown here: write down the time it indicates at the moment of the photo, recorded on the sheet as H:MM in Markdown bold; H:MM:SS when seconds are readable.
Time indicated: **5:50**
